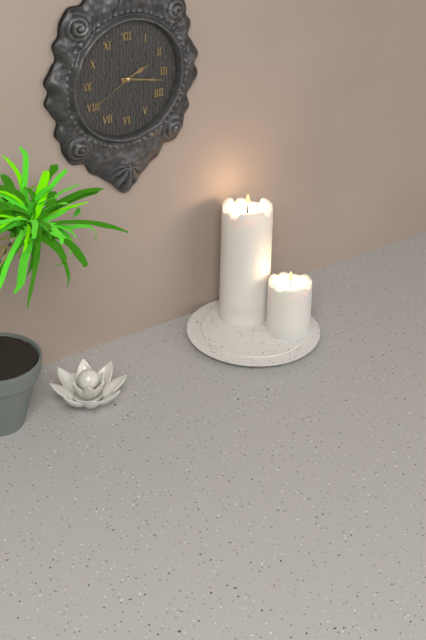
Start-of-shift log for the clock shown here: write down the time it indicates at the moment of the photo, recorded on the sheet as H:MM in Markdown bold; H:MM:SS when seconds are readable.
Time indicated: **2:17:40**
